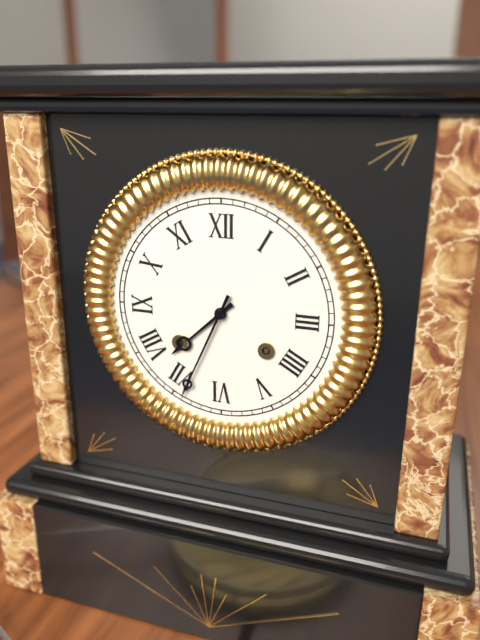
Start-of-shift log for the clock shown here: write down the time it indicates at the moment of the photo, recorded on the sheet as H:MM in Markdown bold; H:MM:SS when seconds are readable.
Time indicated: **7:34**
